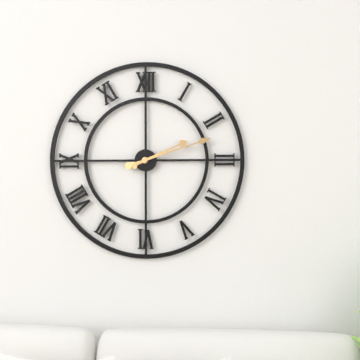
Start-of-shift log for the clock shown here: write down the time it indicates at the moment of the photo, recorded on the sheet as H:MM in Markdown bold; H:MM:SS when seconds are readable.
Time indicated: **2:12**
